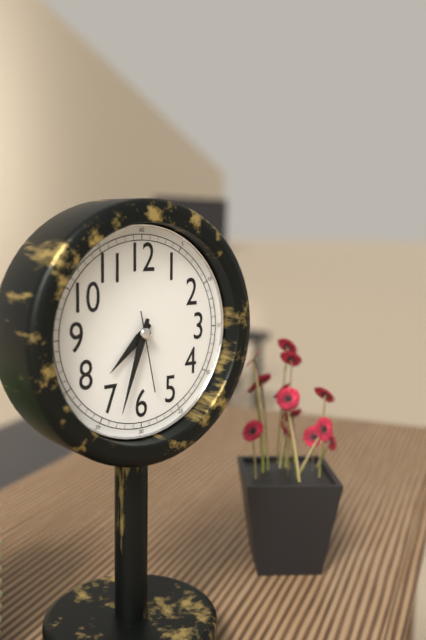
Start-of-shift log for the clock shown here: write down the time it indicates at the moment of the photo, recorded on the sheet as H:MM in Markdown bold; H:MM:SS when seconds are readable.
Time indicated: **7:33:28**
